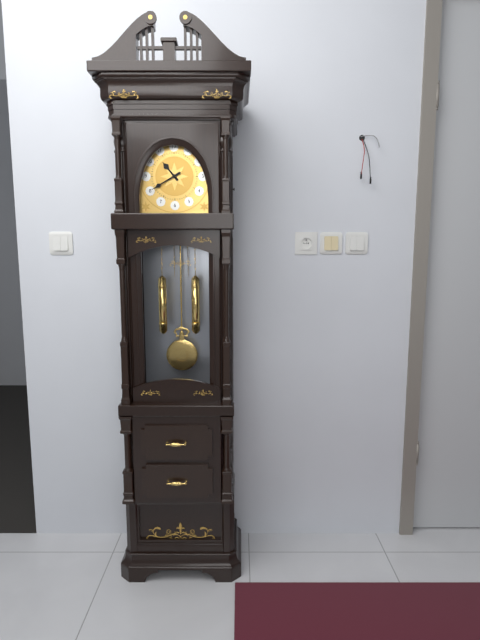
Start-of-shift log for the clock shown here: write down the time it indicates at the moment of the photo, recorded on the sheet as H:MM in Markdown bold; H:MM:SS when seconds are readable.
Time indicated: **10:40**
